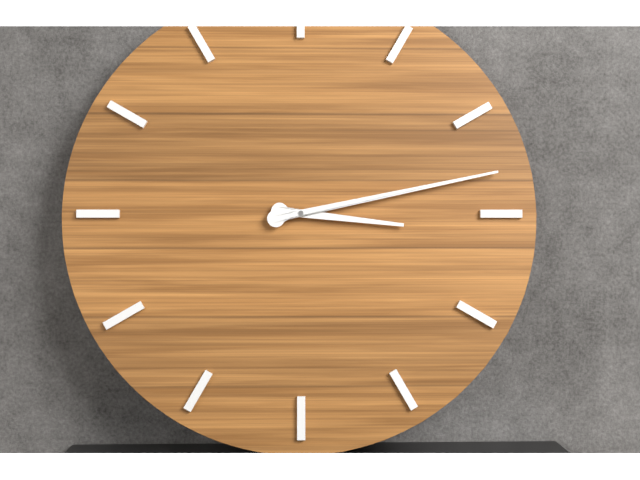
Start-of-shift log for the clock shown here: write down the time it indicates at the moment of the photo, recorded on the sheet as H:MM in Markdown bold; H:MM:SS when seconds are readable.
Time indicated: **3:13**
